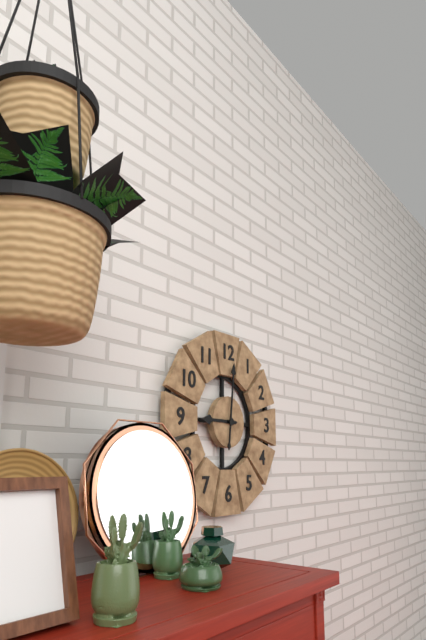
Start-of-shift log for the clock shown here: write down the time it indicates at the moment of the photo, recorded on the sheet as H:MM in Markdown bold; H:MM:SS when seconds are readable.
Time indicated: **9:01**
